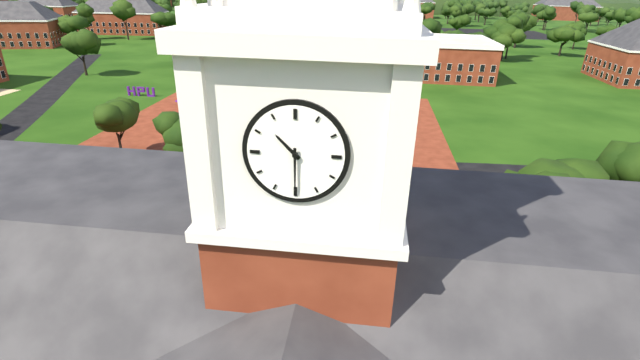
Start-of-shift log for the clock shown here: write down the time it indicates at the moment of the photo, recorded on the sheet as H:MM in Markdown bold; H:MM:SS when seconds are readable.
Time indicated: **10:30**
